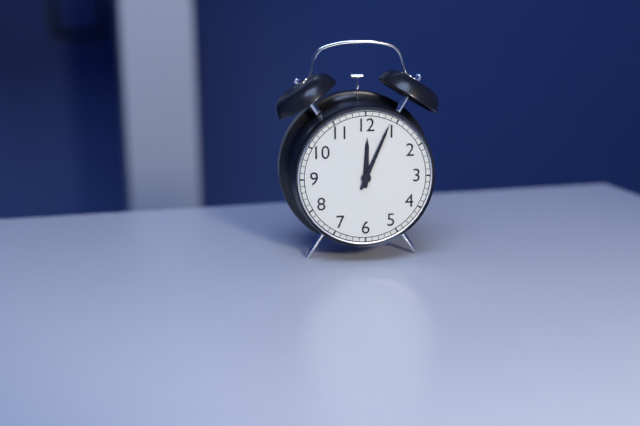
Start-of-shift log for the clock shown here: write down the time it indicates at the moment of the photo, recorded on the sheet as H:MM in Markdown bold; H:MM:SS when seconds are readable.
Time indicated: **12:04**
